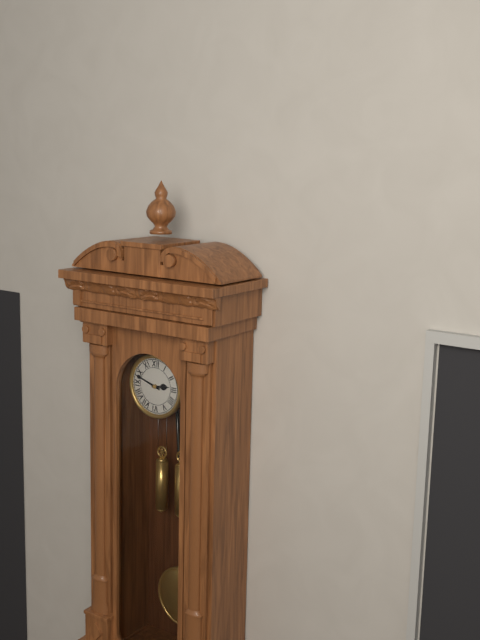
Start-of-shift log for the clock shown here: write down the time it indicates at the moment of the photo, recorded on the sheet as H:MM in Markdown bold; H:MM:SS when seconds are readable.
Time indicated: **2:48**
